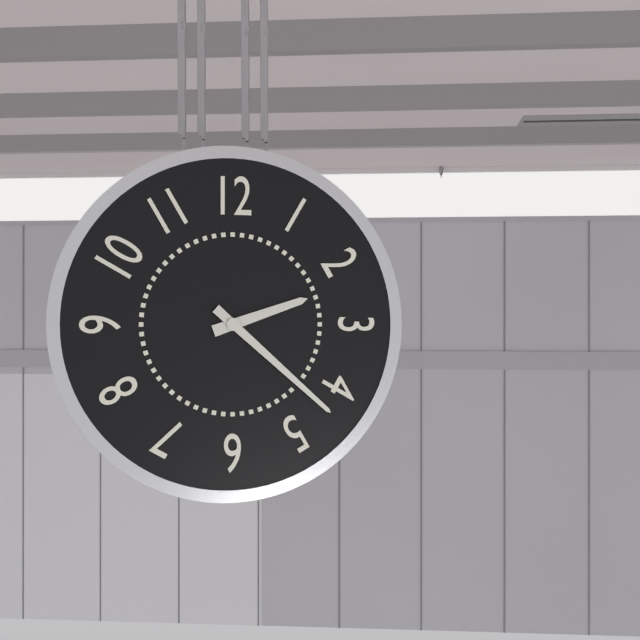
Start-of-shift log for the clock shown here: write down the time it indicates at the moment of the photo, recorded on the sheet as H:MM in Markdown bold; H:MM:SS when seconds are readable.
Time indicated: **2:22**
